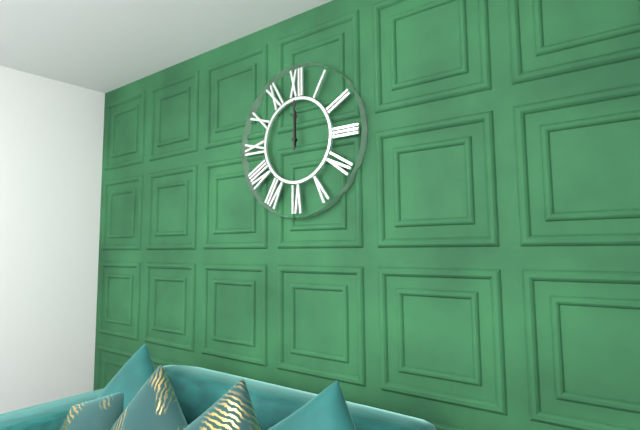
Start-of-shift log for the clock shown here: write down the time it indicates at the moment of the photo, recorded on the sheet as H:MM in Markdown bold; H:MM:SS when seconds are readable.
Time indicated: **12:00**
